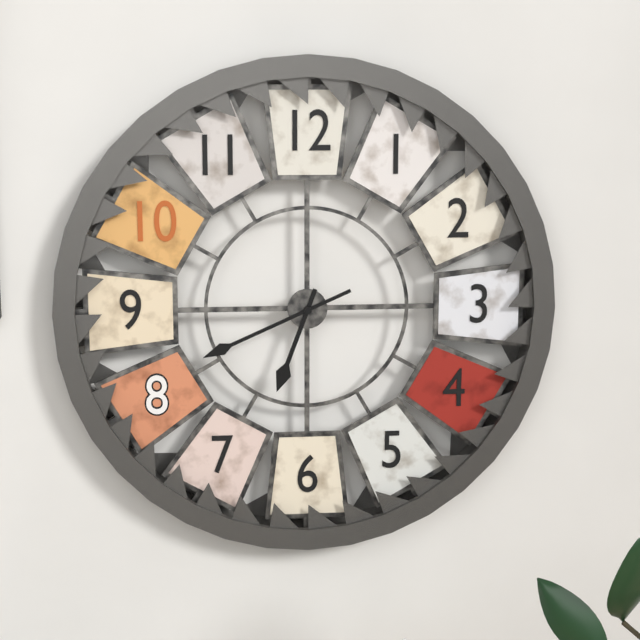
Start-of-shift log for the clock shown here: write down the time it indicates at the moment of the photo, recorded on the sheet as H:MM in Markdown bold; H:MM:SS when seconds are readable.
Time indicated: **6:41**
